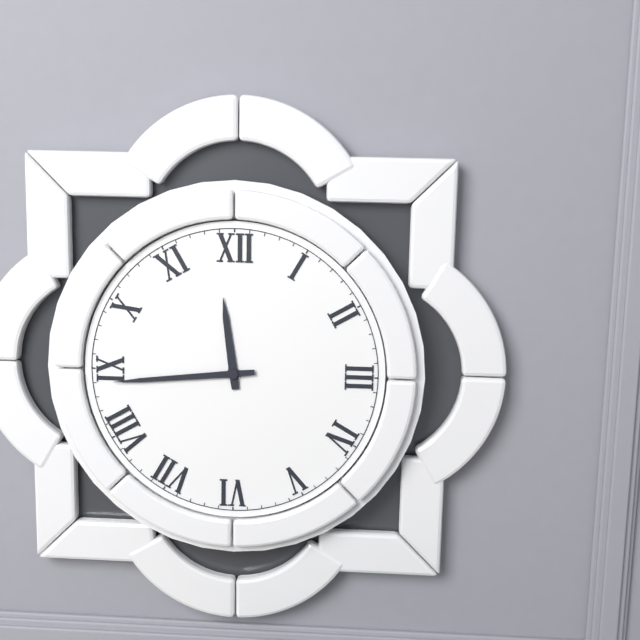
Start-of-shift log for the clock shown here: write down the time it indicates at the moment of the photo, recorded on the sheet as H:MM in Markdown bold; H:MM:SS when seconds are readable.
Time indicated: **11:44**
